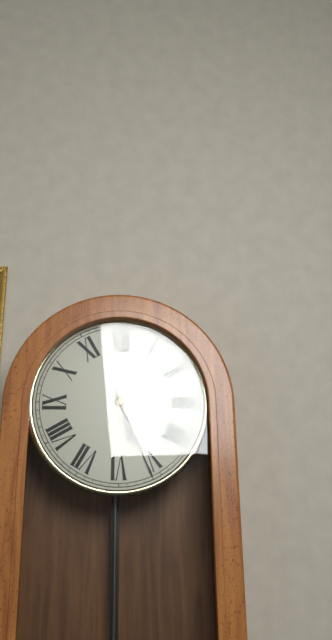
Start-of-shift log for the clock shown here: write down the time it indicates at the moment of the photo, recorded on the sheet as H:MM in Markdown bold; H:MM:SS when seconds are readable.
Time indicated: **5:26**
